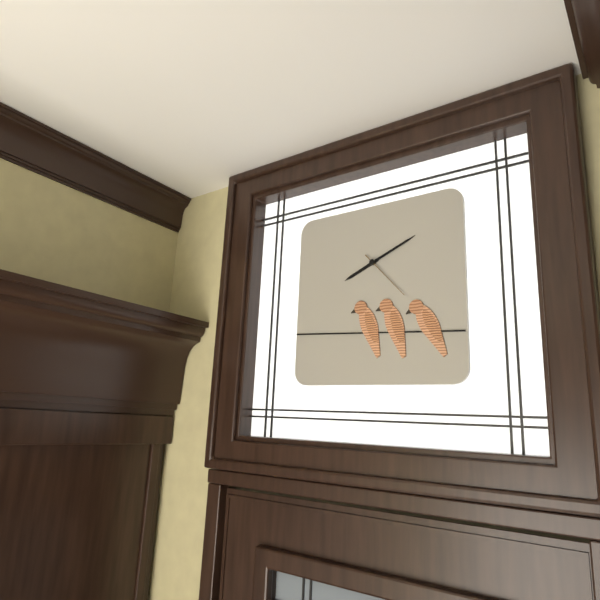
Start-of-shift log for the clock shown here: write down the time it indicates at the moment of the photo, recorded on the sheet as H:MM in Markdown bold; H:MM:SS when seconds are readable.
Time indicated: **8:11:23**
